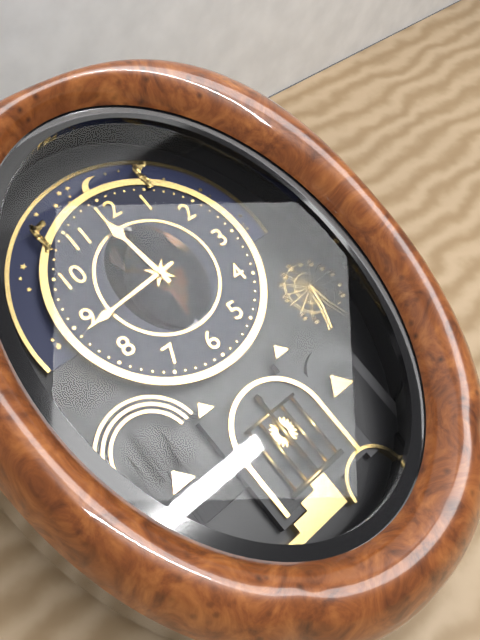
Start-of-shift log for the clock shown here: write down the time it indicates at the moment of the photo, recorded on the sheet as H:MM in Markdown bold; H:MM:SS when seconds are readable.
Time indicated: **11:44**
